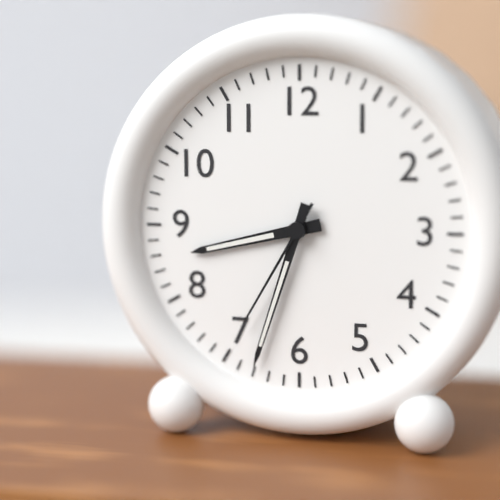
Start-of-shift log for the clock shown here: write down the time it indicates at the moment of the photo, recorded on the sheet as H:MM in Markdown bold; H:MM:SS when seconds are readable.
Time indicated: **8:33:35**
